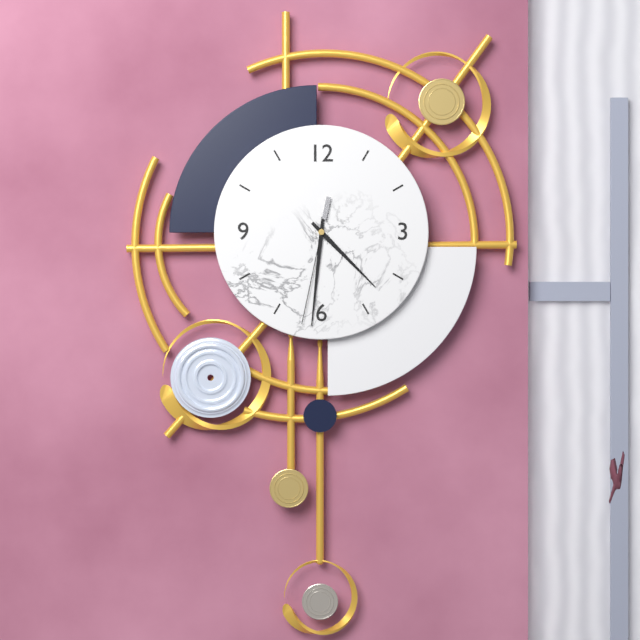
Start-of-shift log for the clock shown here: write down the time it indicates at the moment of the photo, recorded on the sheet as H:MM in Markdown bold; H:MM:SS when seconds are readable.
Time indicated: **4:31:32**
